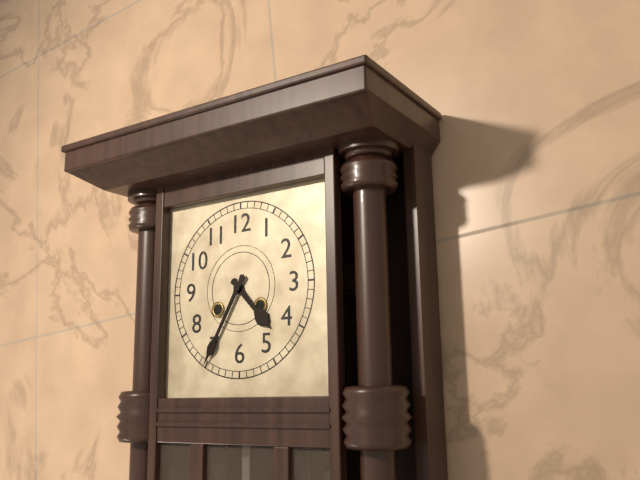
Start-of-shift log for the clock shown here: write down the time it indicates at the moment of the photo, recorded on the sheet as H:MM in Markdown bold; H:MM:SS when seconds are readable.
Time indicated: **4:35**
